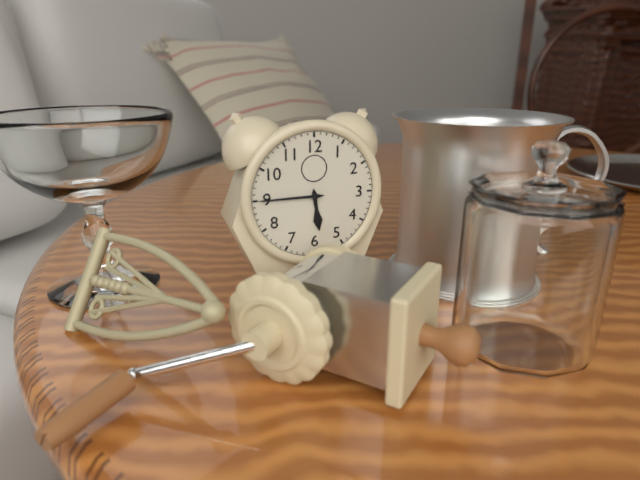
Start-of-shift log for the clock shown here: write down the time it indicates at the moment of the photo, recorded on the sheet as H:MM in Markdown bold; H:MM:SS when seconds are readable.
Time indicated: **5:45**
